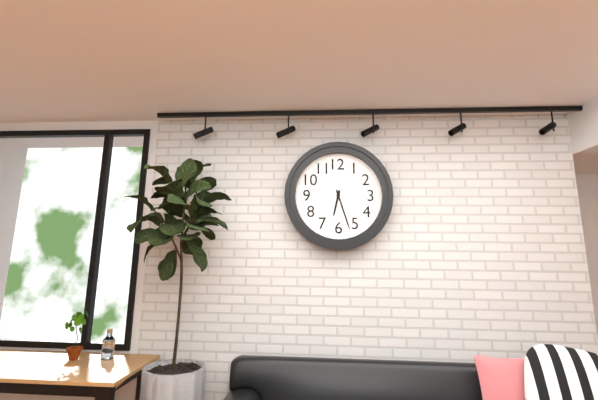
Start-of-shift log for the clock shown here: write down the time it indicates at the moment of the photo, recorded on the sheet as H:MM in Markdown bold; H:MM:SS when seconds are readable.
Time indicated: **6:27**
